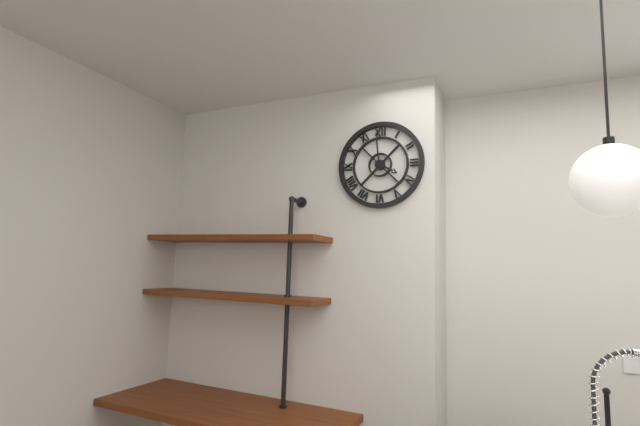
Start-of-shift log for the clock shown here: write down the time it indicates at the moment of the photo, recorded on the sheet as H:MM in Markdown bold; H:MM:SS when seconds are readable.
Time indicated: **3:59**
